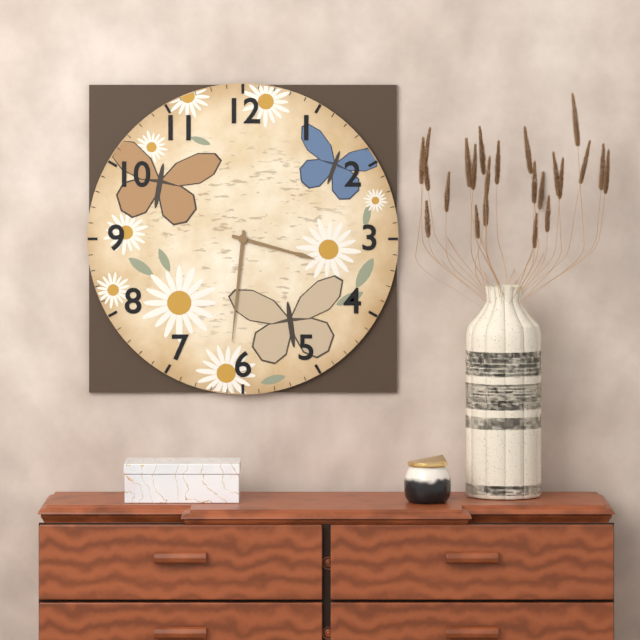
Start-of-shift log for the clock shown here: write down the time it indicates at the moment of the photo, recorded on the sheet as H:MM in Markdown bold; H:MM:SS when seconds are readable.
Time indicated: **3:31**
